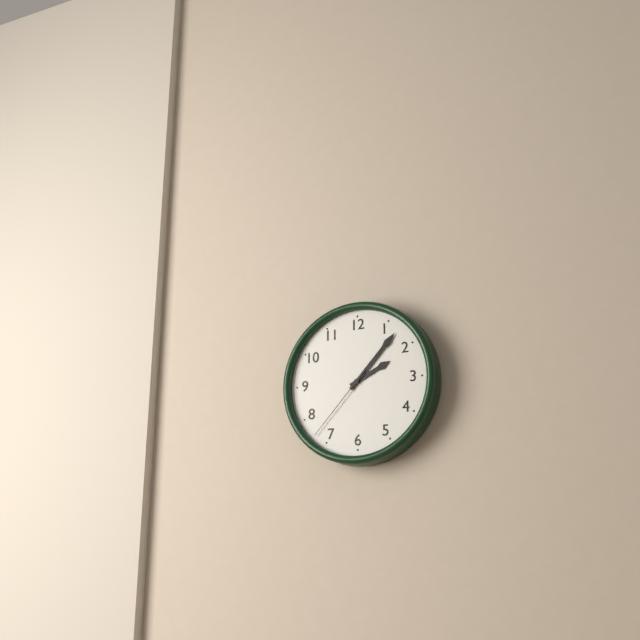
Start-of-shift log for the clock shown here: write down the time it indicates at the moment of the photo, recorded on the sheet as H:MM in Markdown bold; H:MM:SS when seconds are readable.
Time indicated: **2:07:37**
